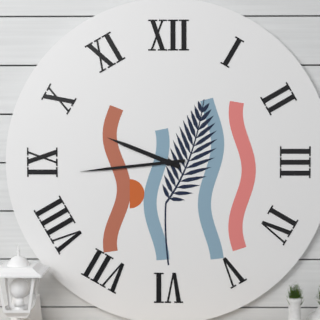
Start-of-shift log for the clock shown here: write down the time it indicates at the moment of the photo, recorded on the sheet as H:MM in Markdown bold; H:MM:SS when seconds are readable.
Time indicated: **9:44**
